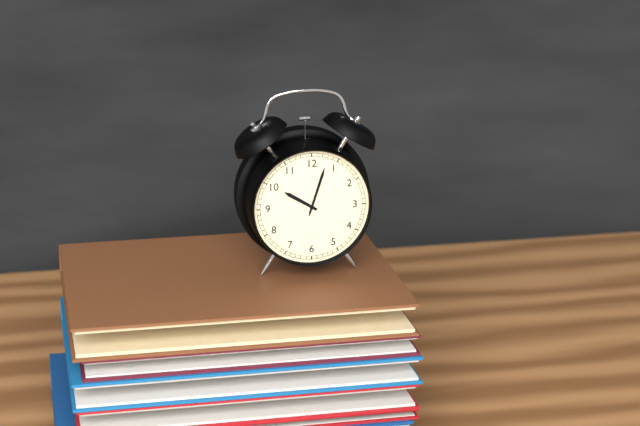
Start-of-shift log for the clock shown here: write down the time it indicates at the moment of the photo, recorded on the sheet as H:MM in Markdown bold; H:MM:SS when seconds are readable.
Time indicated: **10:03**
